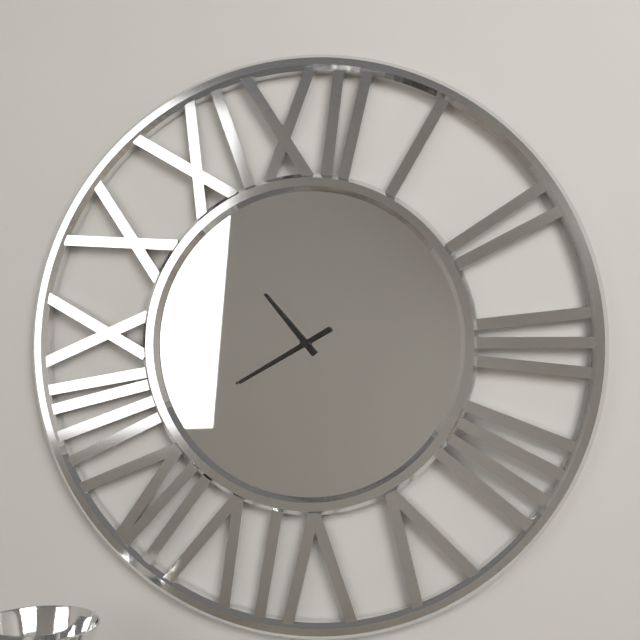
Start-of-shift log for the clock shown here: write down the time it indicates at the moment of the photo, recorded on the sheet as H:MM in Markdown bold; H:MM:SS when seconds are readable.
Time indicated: **10:40**
